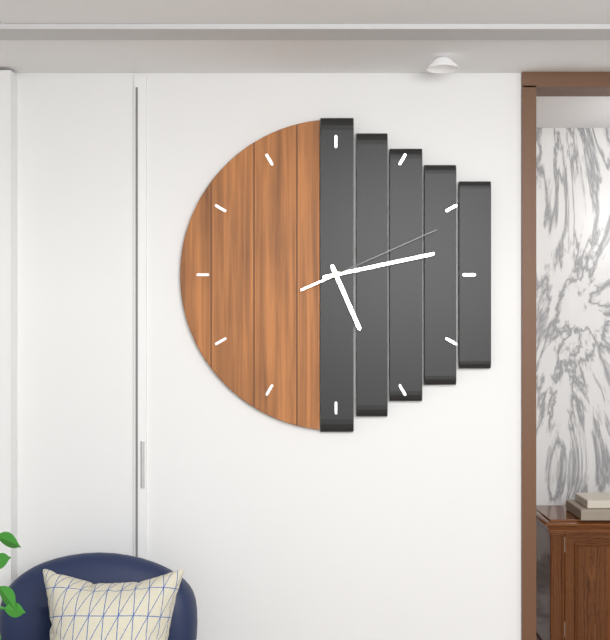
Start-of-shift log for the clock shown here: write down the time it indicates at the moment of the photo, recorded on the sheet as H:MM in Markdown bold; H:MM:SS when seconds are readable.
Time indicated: **5:13:11**
